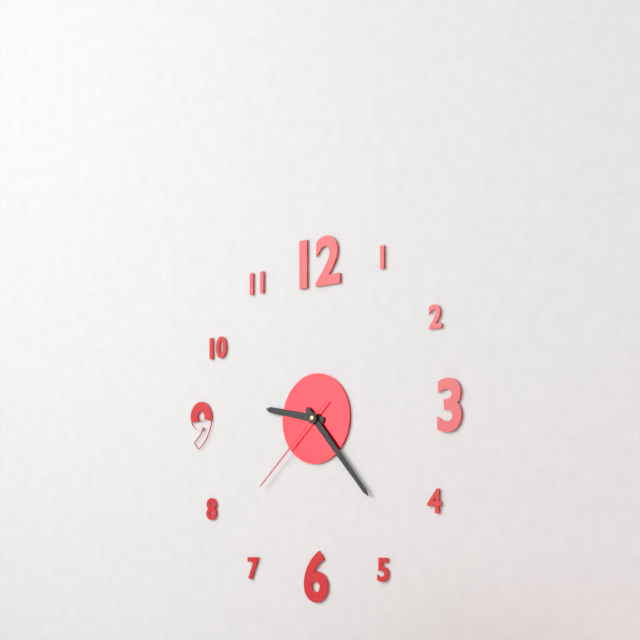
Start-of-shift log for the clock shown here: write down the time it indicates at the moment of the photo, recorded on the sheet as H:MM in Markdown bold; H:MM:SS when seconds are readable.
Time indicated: **9:23:38**
